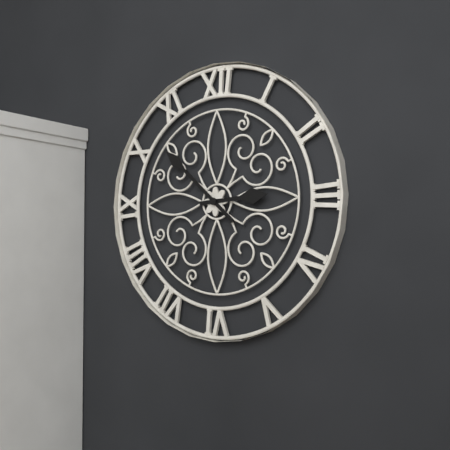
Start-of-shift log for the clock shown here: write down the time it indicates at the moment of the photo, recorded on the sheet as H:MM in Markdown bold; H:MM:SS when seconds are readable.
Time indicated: **2:52**
